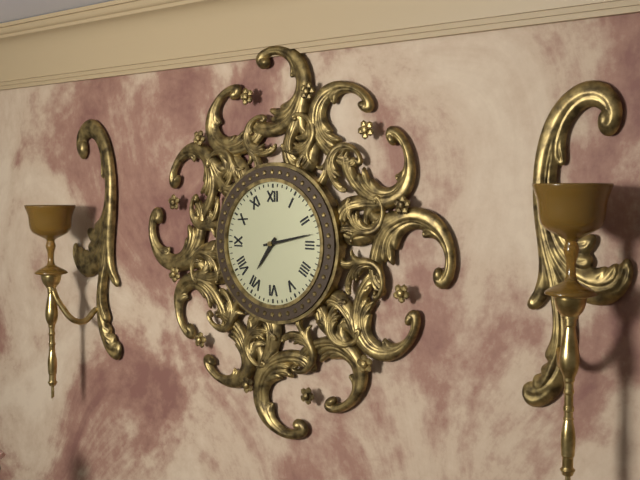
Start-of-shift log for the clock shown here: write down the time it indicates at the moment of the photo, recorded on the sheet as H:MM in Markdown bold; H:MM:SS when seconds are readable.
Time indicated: **7:13**
